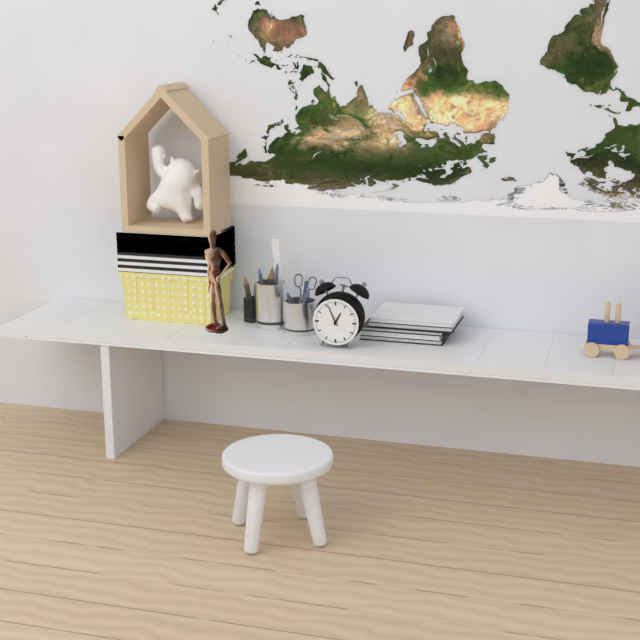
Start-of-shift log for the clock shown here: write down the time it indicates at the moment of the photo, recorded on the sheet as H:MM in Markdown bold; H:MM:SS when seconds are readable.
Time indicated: **12:56**
